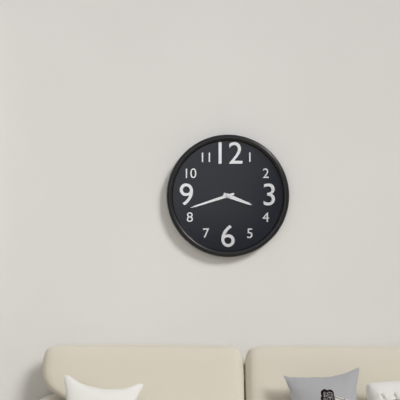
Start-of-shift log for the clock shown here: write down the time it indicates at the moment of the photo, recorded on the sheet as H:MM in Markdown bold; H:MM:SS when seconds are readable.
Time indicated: **3:42**
